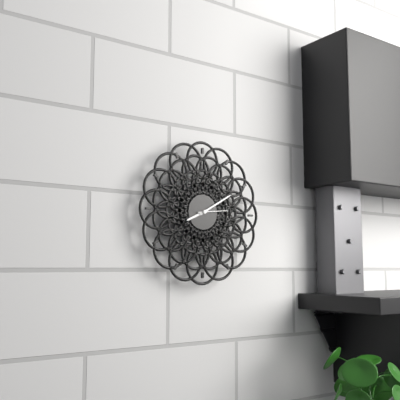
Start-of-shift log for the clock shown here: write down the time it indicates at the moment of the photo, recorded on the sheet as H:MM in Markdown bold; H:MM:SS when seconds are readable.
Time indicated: **8:10**
